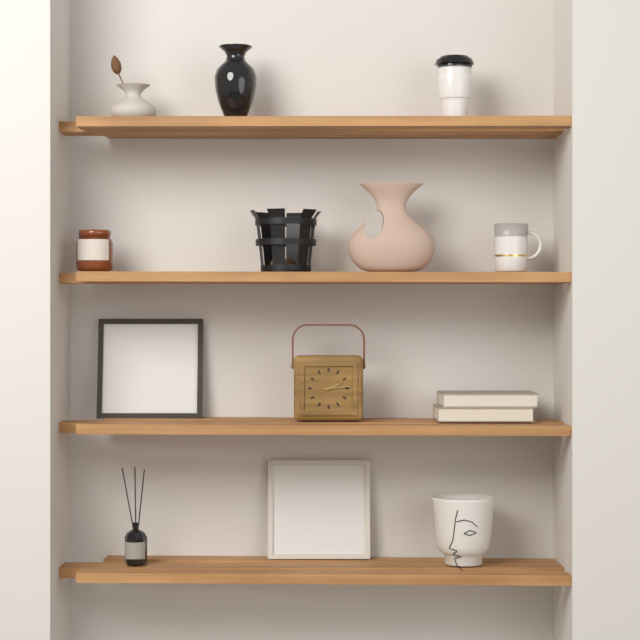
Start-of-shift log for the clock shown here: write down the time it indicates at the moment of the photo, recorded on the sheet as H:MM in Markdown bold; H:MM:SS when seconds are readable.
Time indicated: **2:14**
